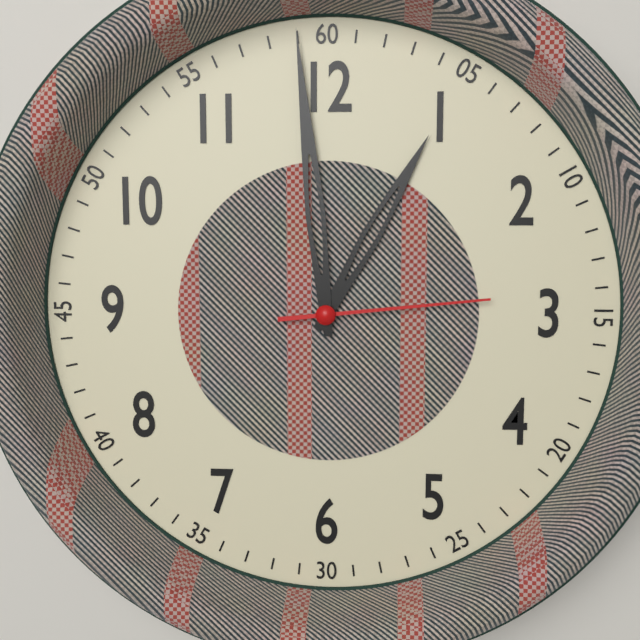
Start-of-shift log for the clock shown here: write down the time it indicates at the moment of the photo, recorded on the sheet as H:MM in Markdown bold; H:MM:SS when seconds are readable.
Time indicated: **12:59:14**
